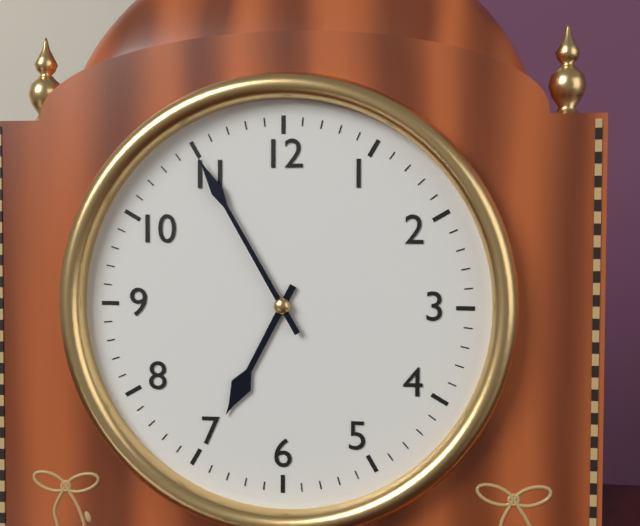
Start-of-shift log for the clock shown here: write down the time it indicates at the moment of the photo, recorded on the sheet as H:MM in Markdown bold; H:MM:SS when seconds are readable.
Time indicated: **6:55**
